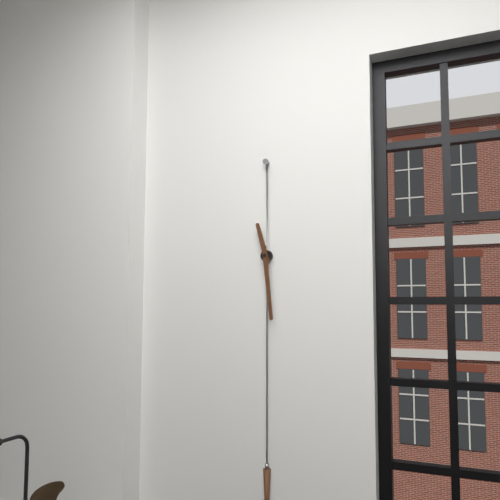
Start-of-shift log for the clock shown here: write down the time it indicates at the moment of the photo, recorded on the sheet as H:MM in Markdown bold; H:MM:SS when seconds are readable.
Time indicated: **11:29**
